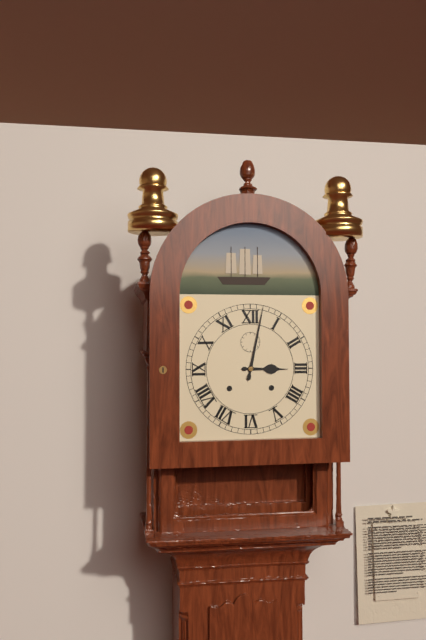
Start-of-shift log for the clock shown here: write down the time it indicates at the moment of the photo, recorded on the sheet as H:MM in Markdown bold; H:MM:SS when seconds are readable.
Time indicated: **3:02**
